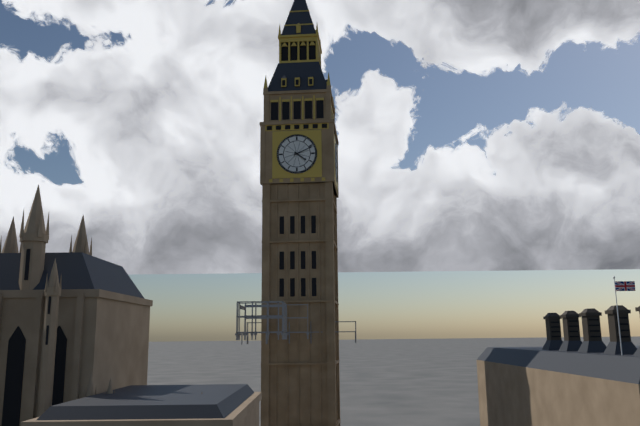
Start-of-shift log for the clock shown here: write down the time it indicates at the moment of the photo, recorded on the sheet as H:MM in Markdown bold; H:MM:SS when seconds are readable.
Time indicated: **4:11**
